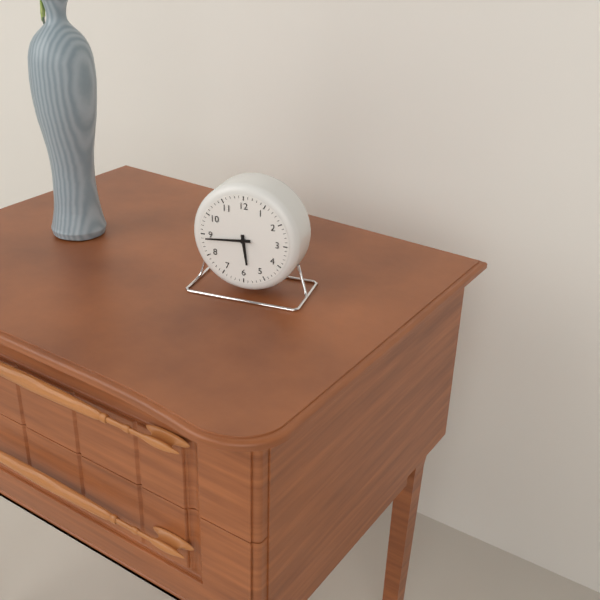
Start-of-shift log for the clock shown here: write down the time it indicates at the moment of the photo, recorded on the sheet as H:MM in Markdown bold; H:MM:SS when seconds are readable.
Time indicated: **5:44**
